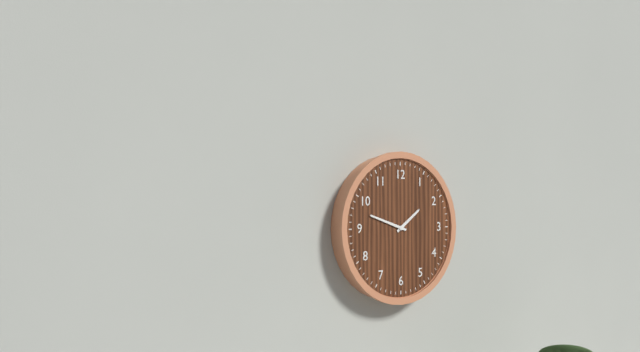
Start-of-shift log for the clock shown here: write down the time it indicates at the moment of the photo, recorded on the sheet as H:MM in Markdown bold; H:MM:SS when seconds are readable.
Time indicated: **1:48**
